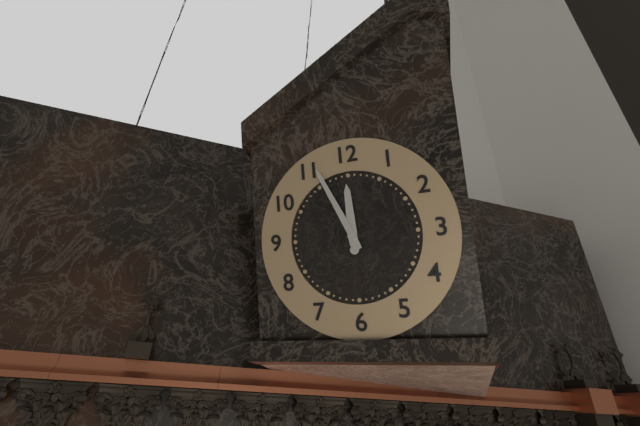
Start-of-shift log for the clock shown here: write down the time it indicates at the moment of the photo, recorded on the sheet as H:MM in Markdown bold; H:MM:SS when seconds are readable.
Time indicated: **11:56**
